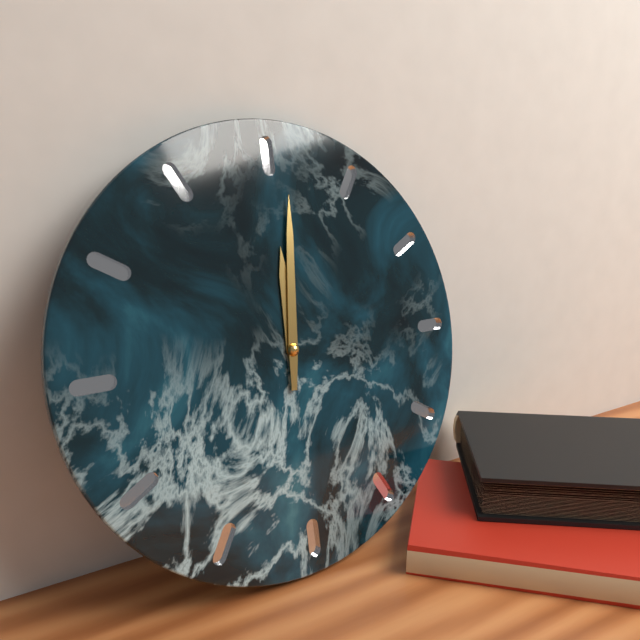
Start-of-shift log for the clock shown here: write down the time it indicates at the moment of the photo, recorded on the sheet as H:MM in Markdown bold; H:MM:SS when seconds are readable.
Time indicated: **12:01**
